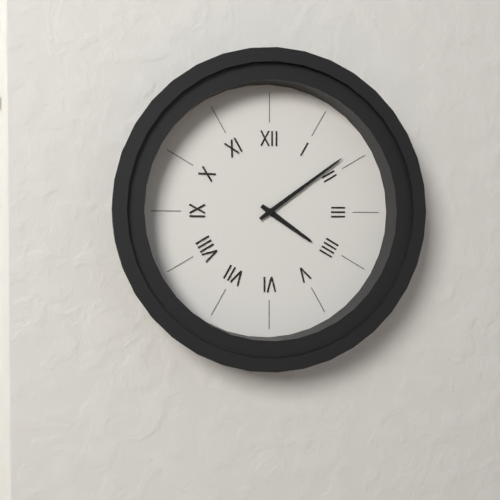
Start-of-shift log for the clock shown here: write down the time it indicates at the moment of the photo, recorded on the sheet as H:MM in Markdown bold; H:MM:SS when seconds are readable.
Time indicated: **4:09**
